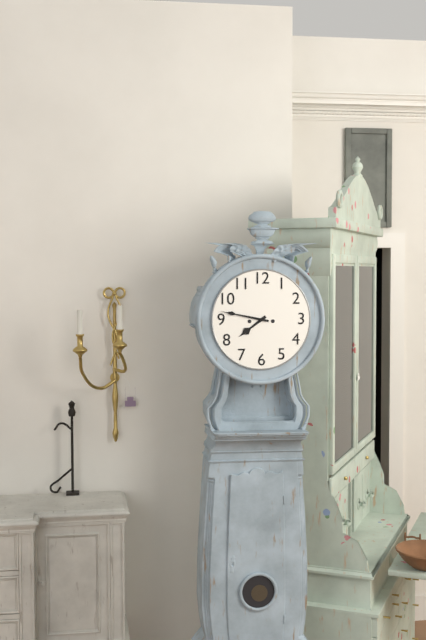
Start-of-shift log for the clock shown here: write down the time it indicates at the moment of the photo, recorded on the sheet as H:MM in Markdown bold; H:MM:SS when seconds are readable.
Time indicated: **7:47**
